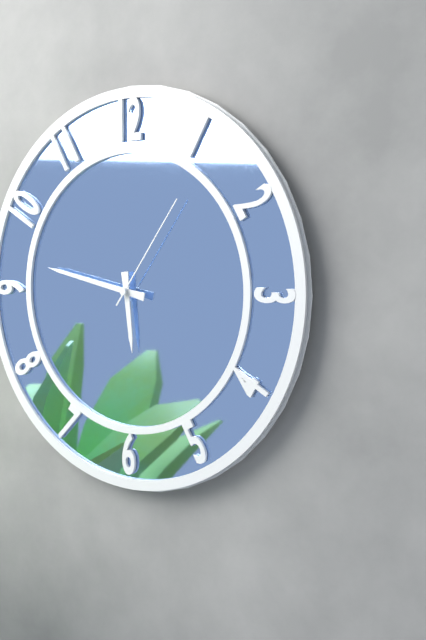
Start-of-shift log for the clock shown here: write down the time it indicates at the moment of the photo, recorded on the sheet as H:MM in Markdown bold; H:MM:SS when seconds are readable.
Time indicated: **5:47:06**
